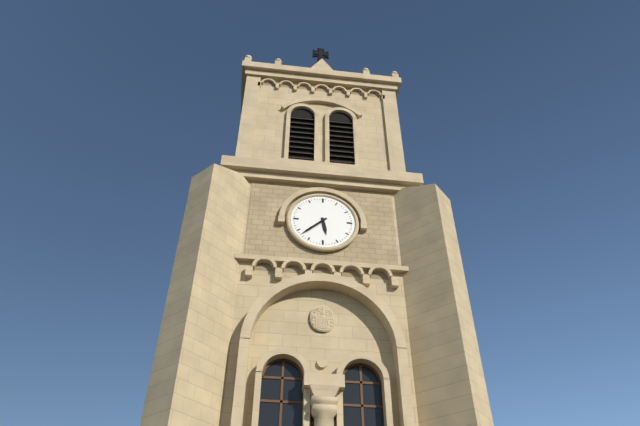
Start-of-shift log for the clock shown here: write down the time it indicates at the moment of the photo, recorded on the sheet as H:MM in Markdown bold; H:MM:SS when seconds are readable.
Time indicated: **5:38**
